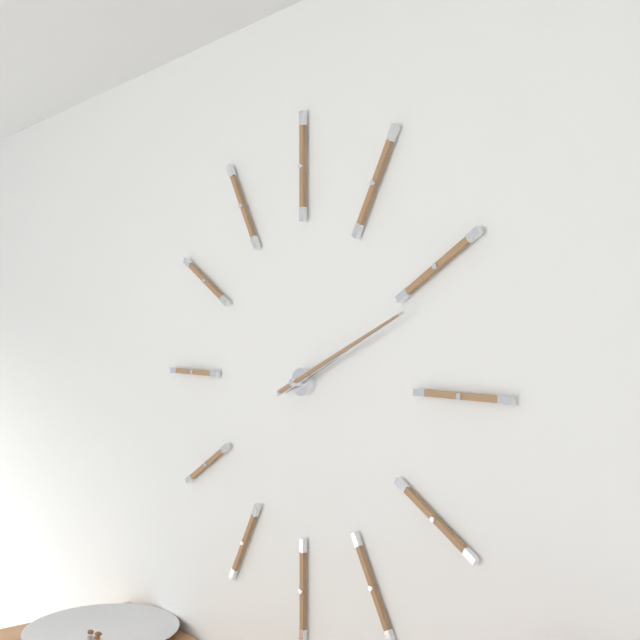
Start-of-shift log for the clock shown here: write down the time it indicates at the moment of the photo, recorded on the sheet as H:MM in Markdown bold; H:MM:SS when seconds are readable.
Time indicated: **2:11**
